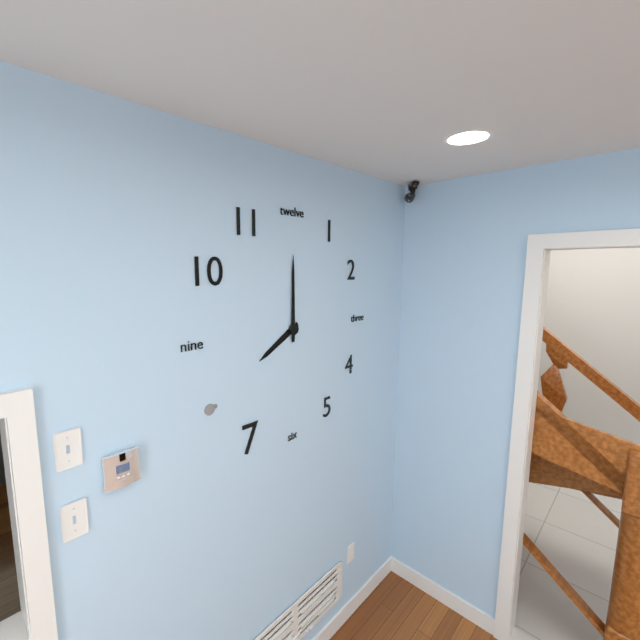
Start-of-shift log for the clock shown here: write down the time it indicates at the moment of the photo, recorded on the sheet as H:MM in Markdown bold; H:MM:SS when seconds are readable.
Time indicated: **8:00**
